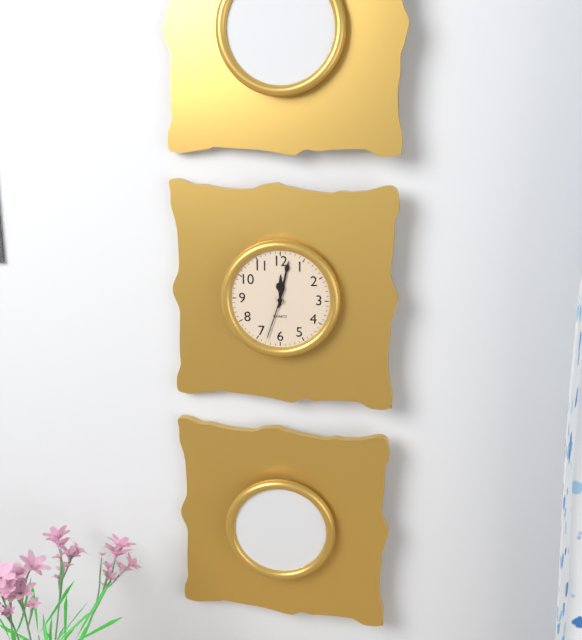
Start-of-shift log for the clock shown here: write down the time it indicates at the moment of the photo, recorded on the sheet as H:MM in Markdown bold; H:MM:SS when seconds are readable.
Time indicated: **12:02:33**
